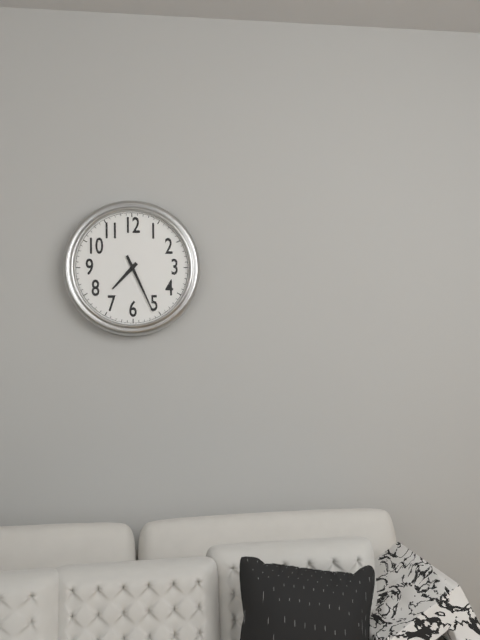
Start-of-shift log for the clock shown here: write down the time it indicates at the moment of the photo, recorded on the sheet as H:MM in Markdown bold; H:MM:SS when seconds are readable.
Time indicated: **7:26**
